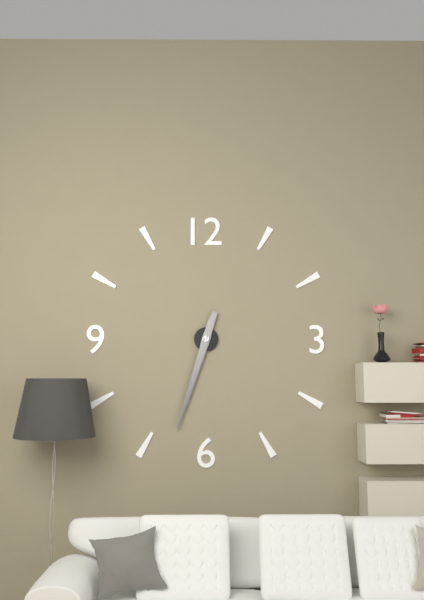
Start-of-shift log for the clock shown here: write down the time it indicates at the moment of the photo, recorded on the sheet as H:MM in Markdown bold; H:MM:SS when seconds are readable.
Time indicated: **6:33**
